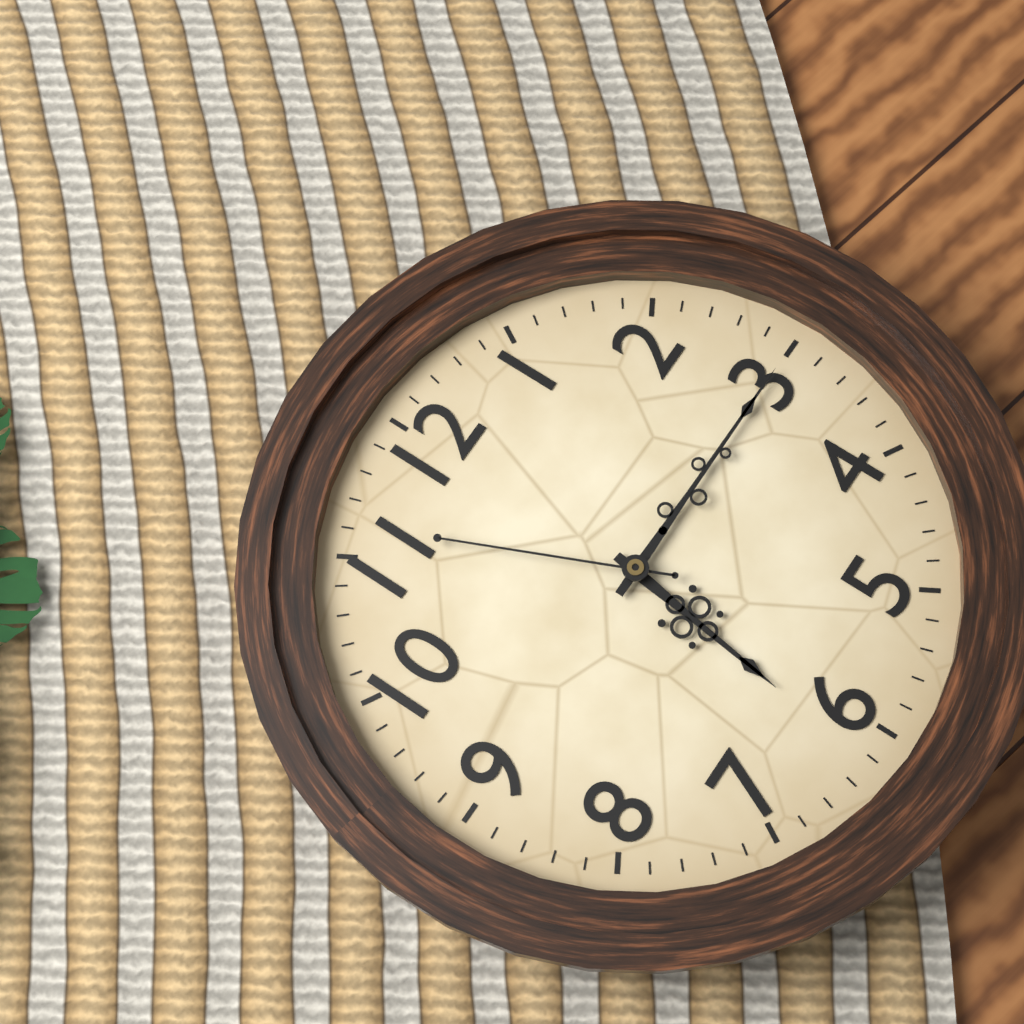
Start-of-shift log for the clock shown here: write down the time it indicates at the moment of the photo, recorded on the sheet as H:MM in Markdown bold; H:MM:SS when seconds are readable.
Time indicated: **6:15:56**
